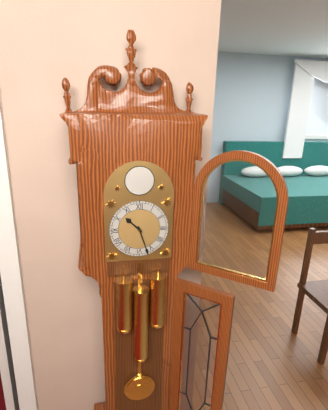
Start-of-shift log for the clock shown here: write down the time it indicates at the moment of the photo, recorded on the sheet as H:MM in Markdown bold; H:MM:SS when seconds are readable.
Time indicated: **10:27**
